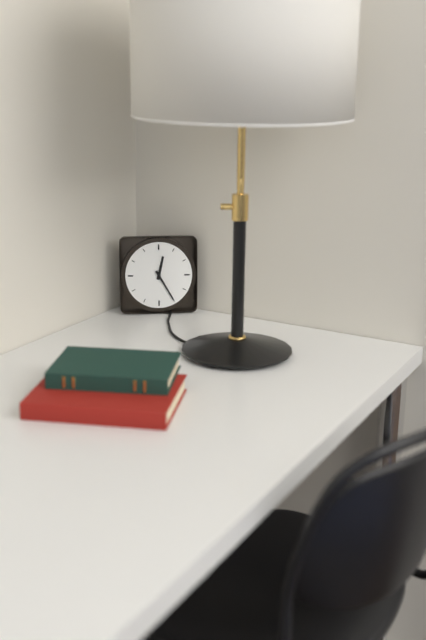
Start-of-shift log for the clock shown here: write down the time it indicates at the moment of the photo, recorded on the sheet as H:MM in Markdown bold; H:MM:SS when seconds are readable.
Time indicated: **12:25**
